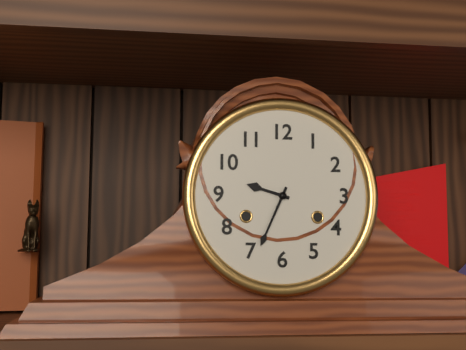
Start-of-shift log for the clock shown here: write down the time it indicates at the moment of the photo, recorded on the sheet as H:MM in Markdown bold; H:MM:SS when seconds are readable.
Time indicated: **9:34**
